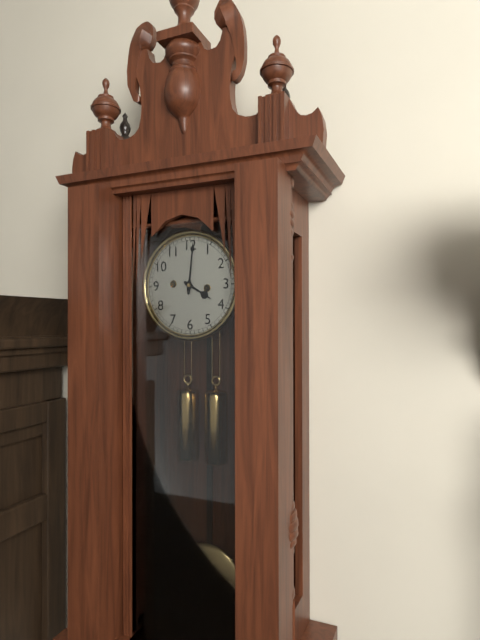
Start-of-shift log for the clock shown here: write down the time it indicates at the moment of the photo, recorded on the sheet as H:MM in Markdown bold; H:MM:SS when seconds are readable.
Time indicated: **4:01**
